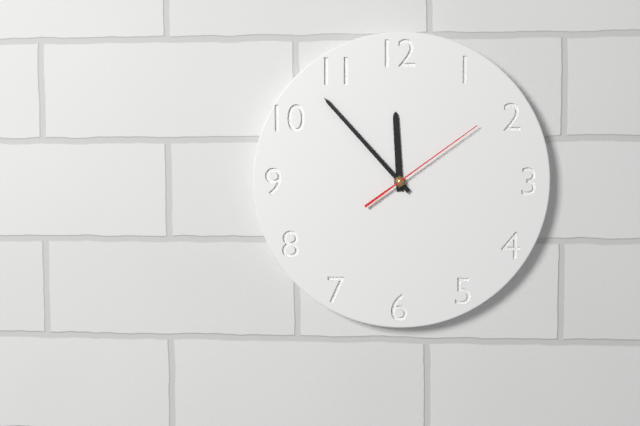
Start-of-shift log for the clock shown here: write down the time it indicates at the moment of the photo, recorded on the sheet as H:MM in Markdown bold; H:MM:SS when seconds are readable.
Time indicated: **11:53:09**
